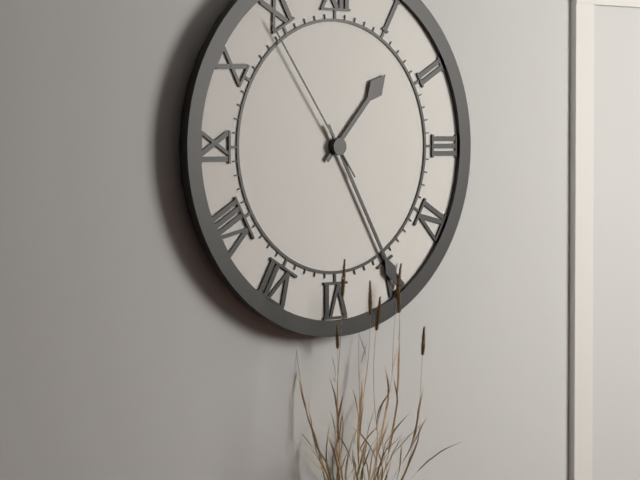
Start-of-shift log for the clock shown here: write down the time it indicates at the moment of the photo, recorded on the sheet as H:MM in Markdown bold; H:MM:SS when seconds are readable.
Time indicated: **1:25:54**
